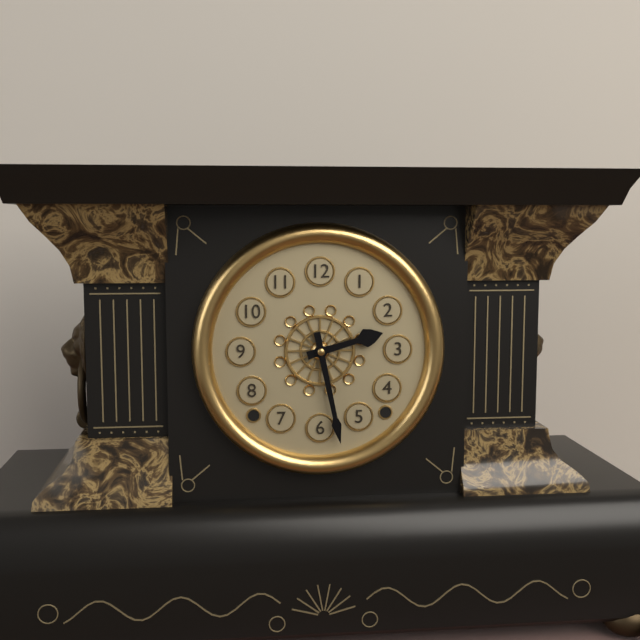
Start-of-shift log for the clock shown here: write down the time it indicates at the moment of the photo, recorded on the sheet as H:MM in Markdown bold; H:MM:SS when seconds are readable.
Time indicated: **2:28**
